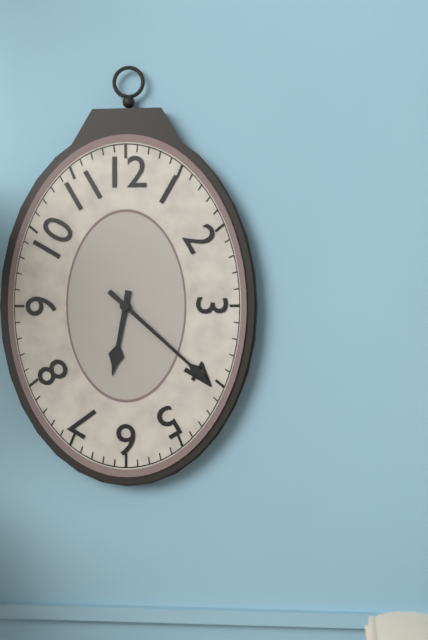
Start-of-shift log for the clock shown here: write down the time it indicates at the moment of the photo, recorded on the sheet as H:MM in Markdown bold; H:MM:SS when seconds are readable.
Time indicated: **6:22**
